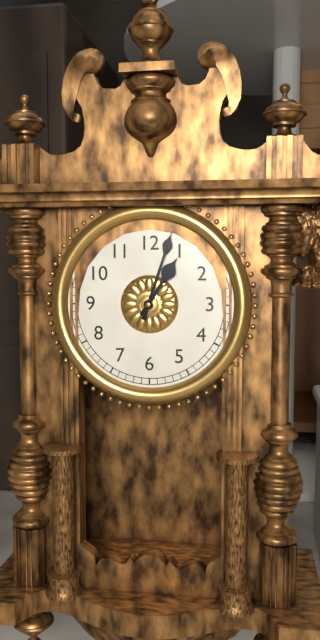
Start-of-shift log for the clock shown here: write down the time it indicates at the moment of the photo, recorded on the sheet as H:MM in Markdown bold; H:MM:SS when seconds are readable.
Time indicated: **1:03**
